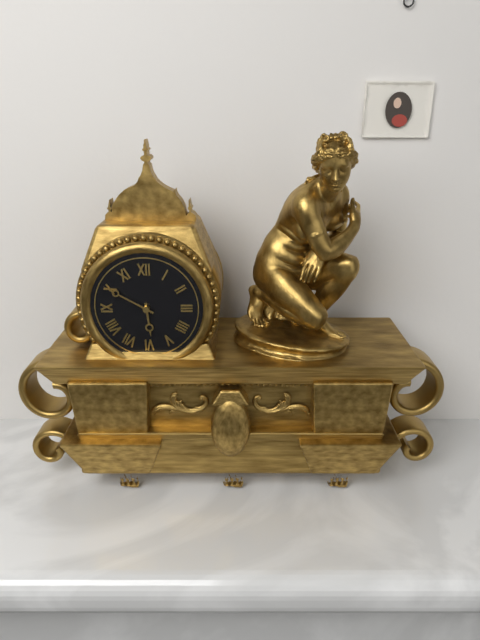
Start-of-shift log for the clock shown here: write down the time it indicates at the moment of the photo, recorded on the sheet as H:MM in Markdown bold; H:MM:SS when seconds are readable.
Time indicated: **5:50**
